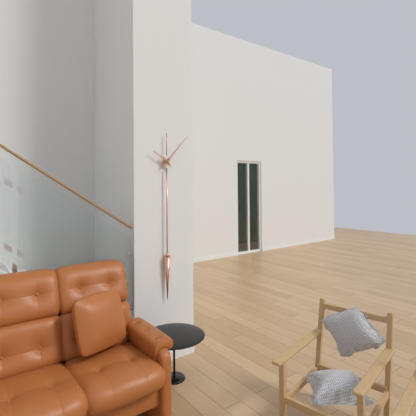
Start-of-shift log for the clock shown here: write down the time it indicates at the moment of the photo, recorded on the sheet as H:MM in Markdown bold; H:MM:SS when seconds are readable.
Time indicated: **10:07**
